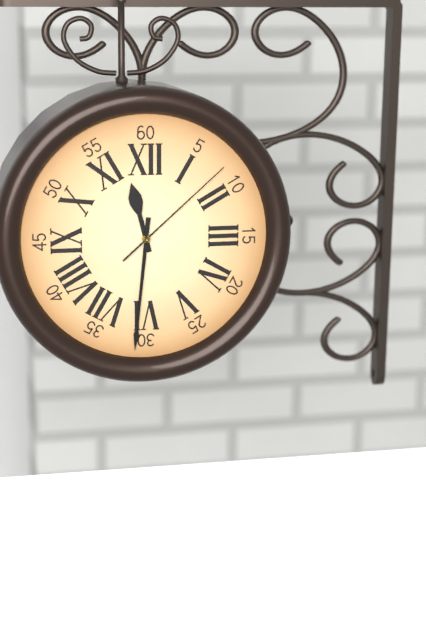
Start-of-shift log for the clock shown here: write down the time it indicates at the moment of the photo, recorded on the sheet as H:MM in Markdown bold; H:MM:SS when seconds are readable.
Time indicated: **11:31:08**
